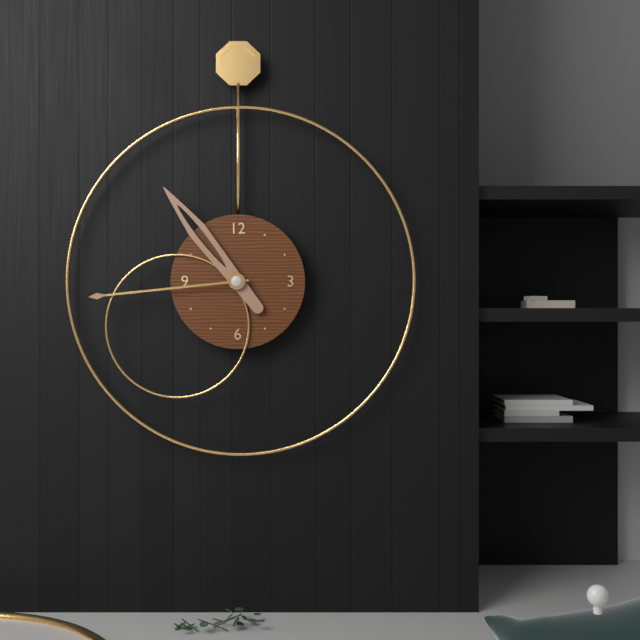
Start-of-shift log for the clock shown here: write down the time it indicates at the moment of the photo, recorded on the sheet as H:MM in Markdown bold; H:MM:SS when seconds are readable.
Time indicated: **10:44**
